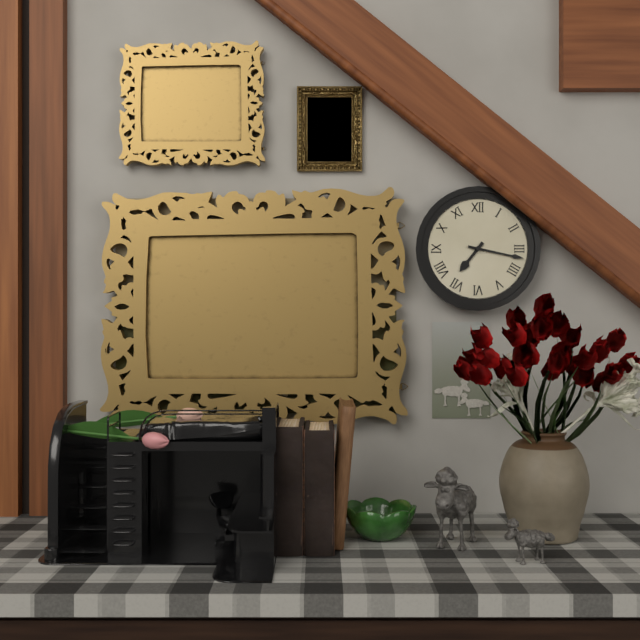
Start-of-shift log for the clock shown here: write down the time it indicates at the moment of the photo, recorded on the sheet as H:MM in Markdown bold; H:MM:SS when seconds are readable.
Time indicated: **7:17**
